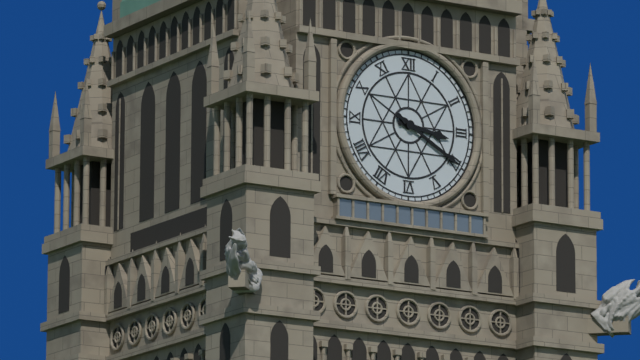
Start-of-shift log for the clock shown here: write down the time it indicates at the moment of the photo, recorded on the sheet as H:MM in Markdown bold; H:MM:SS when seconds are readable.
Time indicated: **3:20**
